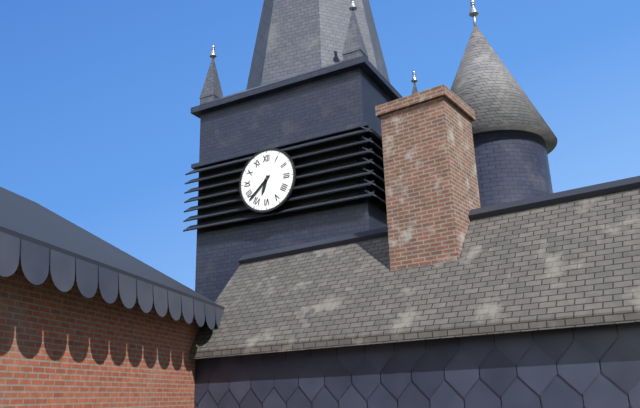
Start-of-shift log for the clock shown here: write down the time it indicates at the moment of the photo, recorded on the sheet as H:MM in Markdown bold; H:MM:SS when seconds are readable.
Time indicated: **6:38**
